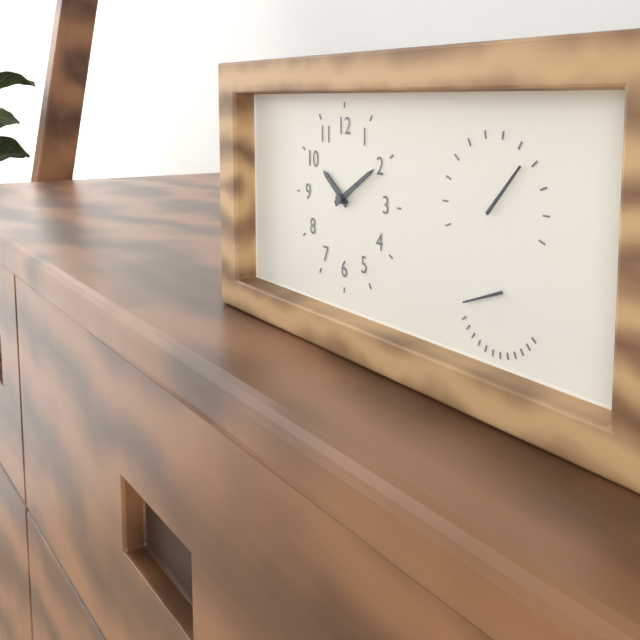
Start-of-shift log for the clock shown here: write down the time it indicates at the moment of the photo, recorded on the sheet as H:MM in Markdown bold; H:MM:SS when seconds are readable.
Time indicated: **10:10**
